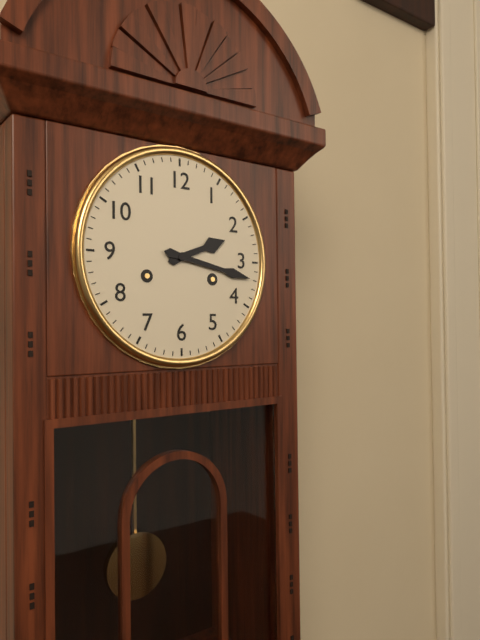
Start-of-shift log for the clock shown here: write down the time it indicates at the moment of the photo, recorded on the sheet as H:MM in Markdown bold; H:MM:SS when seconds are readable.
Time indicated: **2:17**
